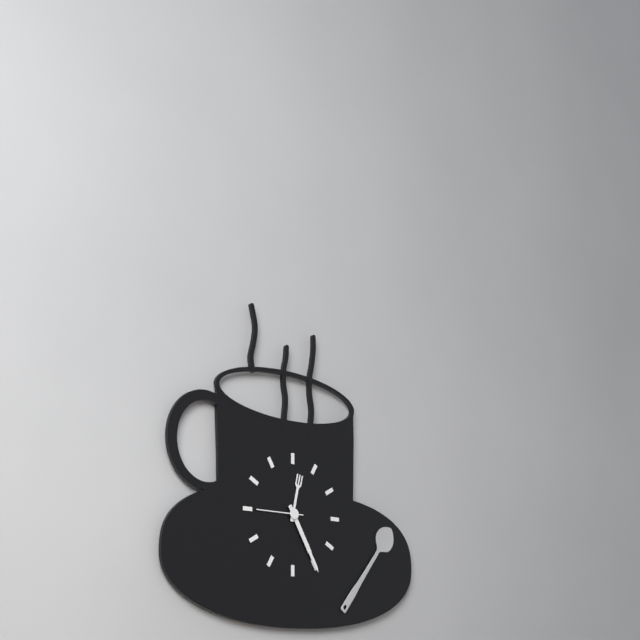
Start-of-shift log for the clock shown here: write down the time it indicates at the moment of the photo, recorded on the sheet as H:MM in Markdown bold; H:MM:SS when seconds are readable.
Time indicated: **12:25**
